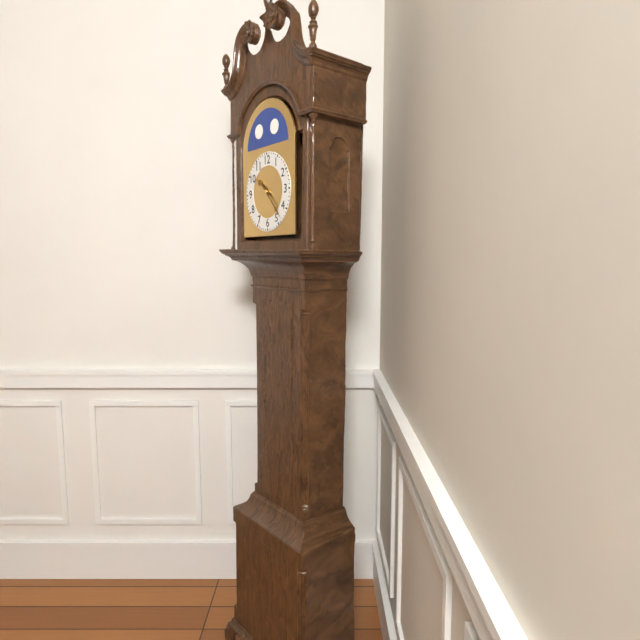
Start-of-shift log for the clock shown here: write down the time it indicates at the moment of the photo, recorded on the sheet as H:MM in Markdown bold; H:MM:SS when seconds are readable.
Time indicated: **10:23**
